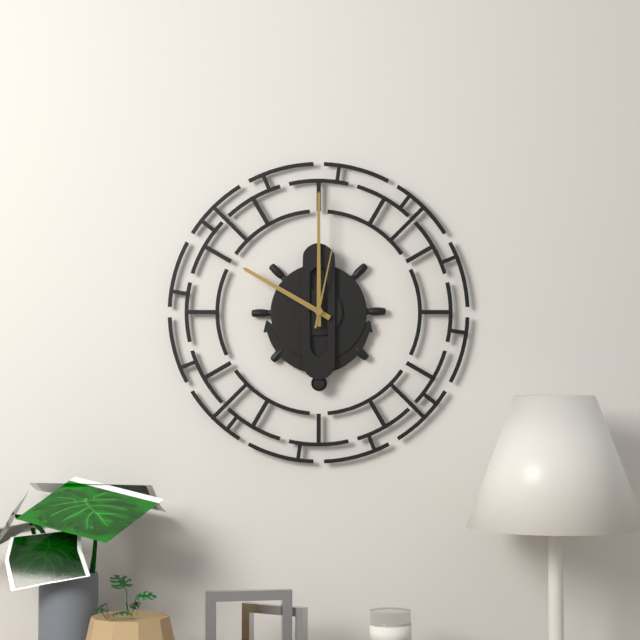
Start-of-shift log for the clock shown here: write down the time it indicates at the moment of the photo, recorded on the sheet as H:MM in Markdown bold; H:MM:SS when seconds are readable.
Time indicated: **10:00:02**
